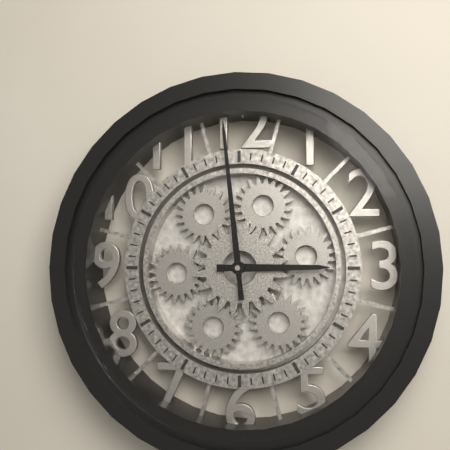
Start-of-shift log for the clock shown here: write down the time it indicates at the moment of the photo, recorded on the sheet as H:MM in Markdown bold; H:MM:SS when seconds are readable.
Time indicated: **2:59**
